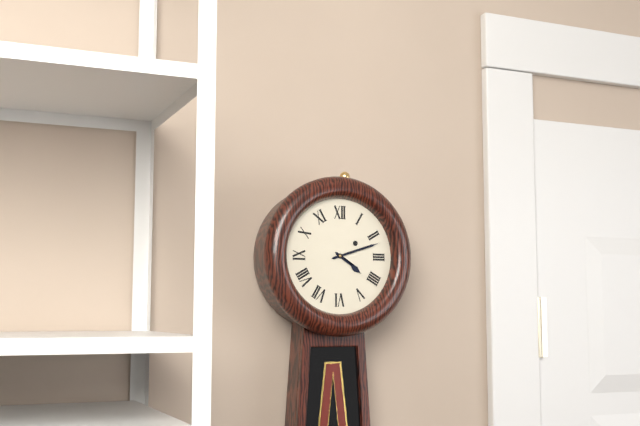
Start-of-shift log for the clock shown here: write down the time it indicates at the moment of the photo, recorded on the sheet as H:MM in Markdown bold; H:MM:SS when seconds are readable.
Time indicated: **4:12**
